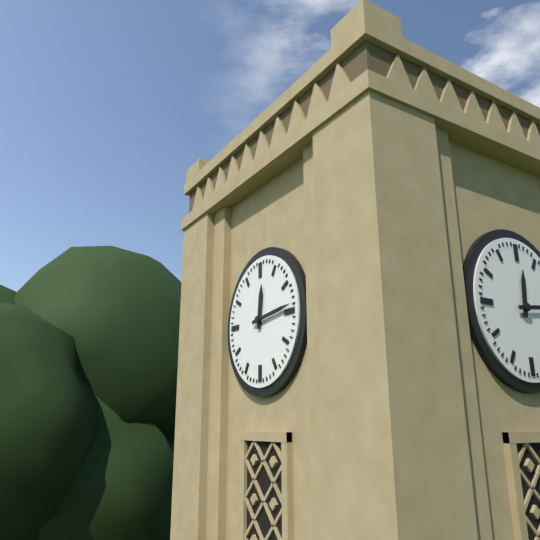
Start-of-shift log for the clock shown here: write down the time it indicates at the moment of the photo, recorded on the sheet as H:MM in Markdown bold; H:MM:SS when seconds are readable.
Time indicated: **12:14**
